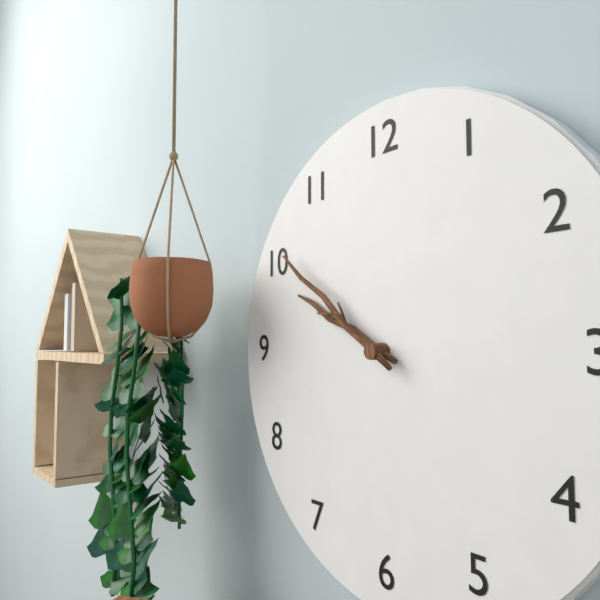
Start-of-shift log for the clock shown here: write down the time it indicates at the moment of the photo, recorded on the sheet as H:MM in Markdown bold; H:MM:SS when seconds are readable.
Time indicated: **9:51**
